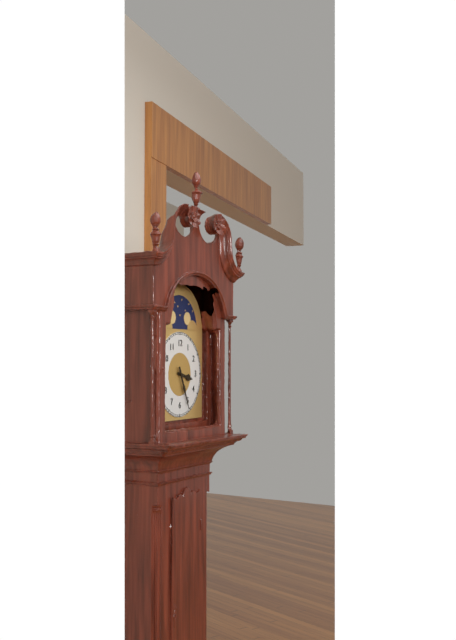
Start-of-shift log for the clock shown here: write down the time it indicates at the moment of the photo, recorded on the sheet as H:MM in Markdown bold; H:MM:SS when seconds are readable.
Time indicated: **3:26**
